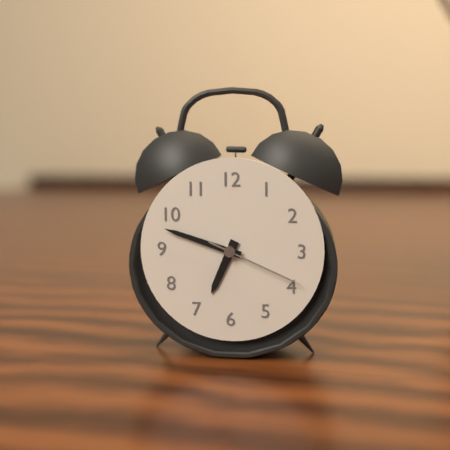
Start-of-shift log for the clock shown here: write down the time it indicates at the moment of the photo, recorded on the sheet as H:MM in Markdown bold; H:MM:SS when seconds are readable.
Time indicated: **6:48:19**
